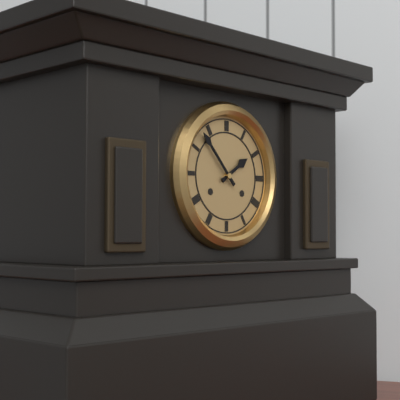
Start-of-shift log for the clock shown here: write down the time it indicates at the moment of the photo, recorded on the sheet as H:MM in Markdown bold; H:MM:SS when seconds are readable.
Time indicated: **1:53**
